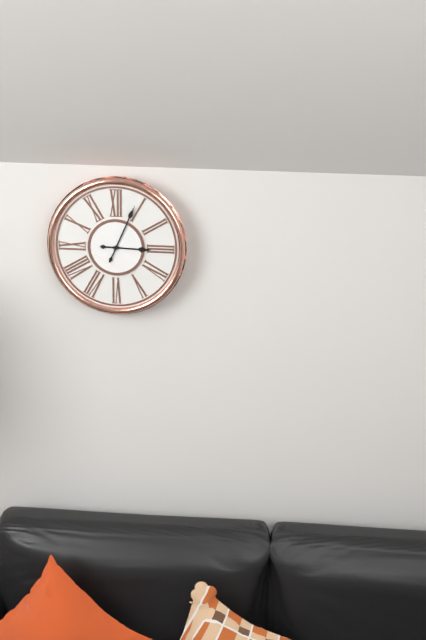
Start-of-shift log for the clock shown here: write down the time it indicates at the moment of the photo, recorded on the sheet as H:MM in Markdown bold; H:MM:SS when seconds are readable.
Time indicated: **3:04**
